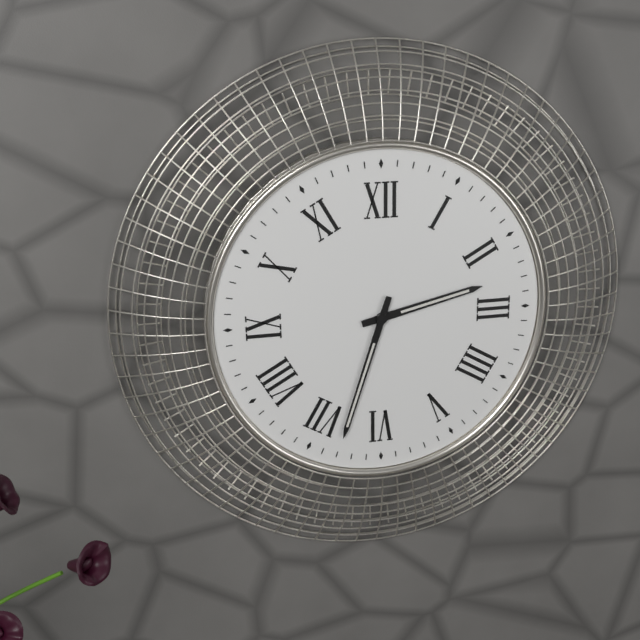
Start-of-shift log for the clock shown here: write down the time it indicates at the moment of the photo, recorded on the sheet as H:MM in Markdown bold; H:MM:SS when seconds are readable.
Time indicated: **2:33**
